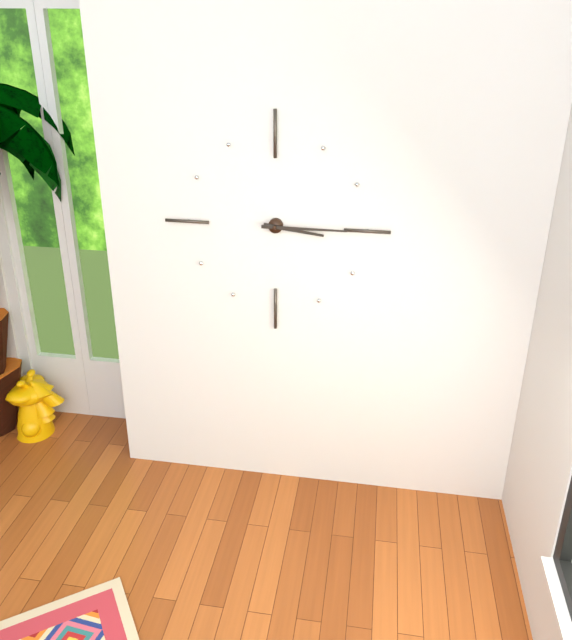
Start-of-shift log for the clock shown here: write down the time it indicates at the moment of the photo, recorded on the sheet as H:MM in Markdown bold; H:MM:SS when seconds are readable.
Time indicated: **3:15**
